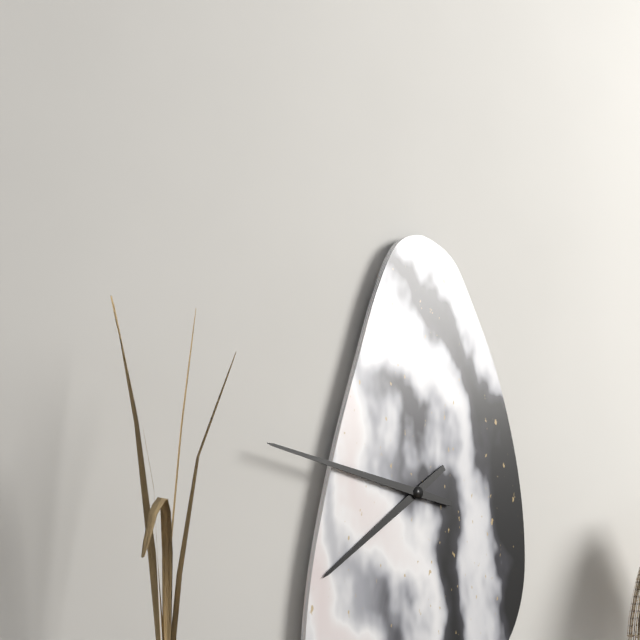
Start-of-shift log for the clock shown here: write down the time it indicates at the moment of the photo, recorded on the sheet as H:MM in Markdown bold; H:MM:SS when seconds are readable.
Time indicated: **7:47**
